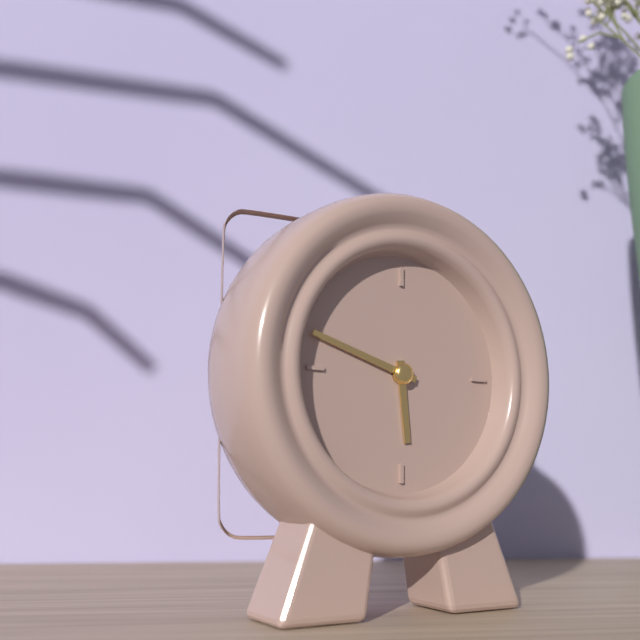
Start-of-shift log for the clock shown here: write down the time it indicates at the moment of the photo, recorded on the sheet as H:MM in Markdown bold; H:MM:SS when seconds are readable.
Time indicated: **5:48**
